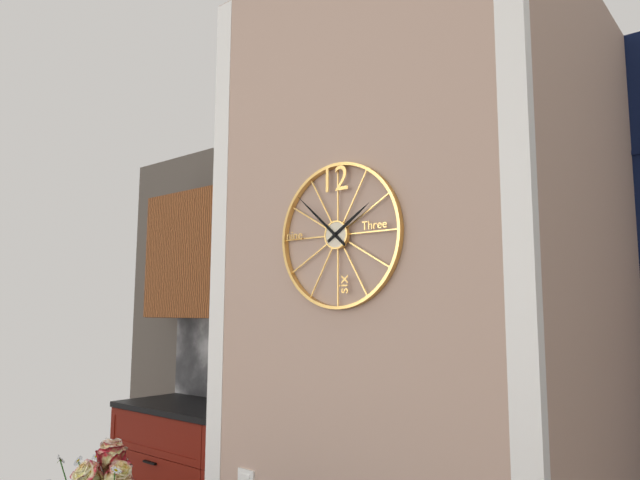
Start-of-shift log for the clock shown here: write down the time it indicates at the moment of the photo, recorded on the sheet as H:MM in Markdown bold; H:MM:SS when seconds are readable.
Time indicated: **1:52**
